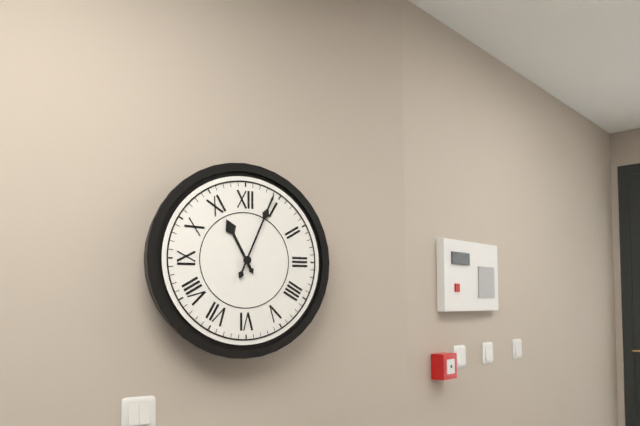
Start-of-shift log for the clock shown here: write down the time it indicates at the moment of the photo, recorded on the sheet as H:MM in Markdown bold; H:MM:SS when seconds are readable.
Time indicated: **11:04**
